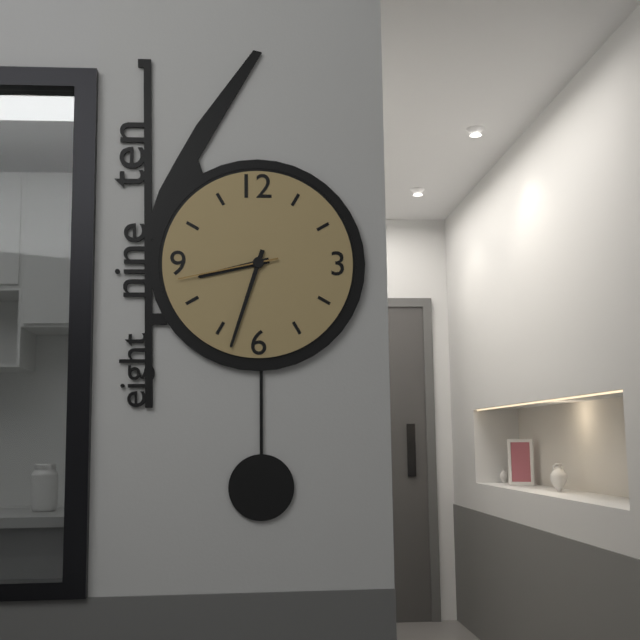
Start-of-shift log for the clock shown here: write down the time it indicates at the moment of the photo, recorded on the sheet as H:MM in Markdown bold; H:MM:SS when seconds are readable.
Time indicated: **8:33:43**
